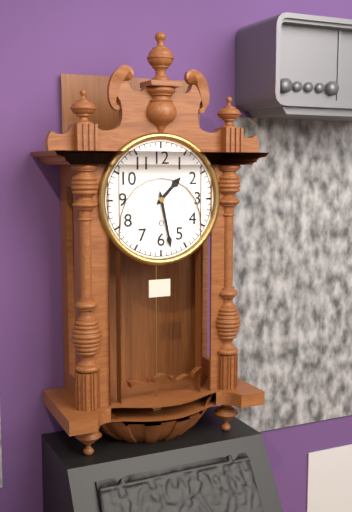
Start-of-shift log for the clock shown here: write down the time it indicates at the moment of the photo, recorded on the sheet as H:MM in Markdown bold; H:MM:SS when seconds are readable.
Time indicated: **1:28**
